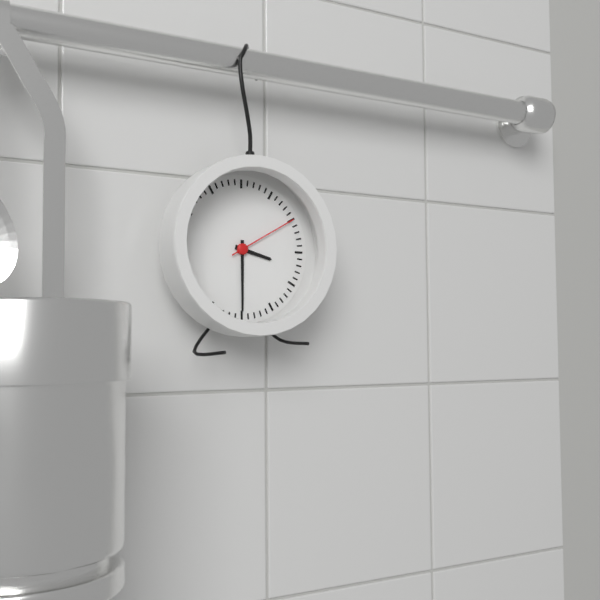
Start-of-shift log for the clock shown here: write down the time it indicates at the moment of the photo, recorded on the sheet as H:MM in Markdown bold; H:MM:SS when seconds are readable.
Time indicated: **3:30:10**
